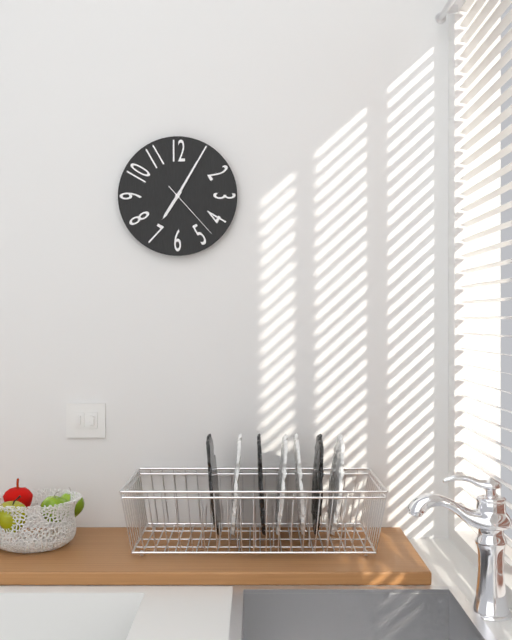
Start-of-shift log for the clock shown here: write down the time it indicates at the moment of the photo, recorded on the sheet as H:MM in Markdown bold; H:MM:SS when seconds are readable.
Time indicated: **7:05:23**
